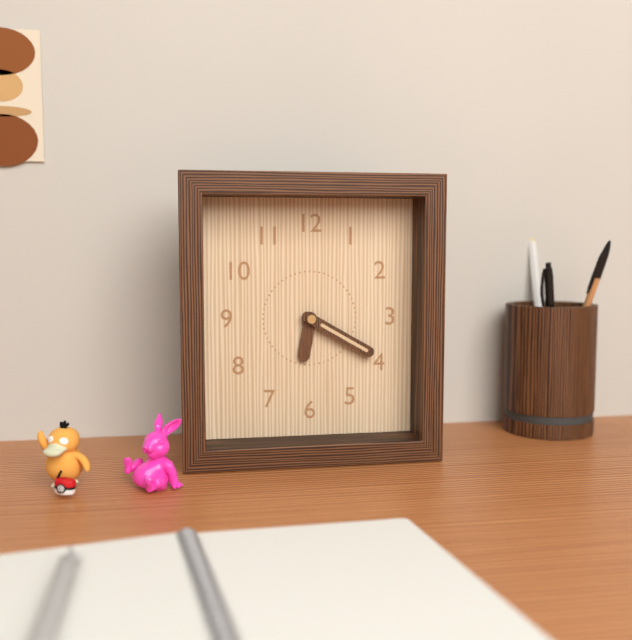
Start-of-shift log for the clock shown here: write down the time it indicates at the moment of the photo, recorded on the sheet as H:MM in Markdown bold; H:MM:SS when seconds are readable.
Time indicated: **6:20**
